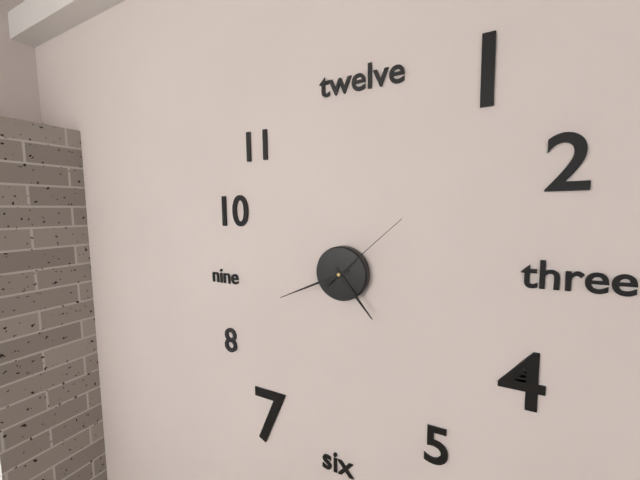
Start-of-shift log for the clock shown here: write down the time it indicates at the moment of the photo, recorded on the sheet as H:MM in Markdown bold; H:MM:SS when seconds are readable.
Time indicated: **4:41:08**
